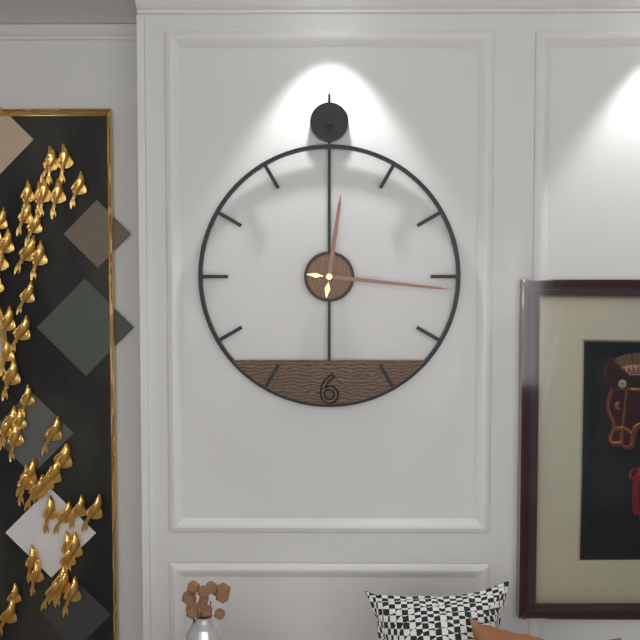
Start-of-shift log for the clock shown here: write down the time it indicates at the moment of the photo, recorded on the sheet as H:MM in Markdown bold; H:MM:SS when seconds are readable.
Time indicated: **12:16**
